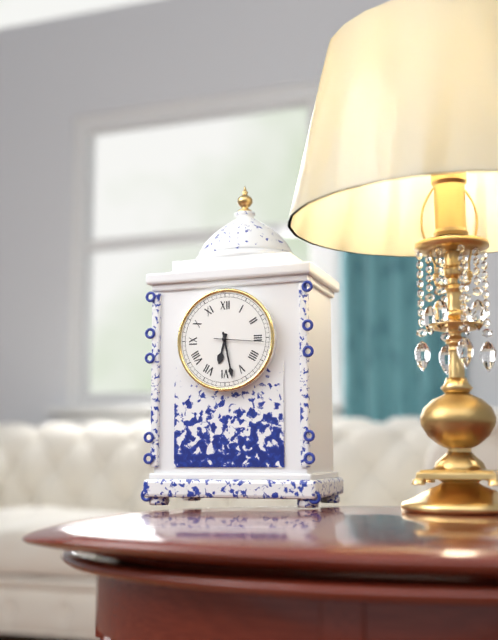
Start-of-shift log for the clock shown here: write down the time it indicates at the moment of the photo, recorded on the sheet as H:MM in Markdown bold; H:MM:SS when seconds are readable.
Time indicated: **6:28**
